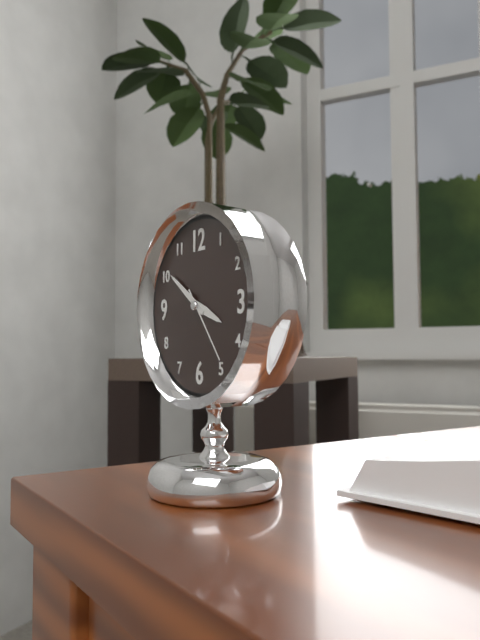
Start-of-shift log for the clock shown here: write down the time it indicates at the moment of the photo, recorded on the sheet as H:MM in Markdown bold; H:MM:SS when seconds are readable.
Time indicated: **3:51:24**
